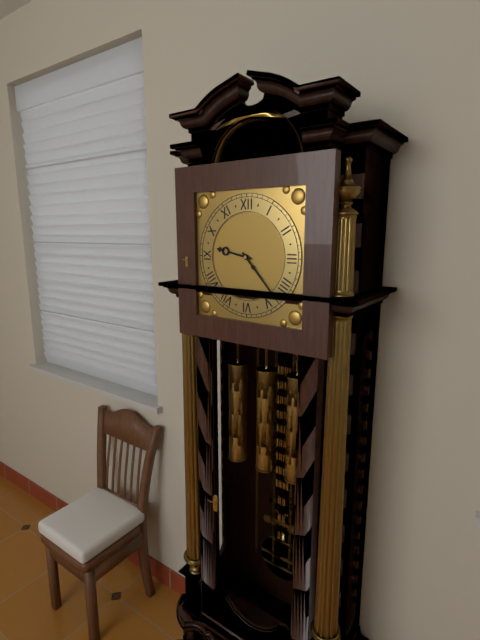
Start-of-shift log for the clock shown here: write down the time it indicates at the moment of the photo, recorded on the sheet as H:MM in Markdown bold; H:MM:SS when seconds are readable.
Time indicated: **9:23**
